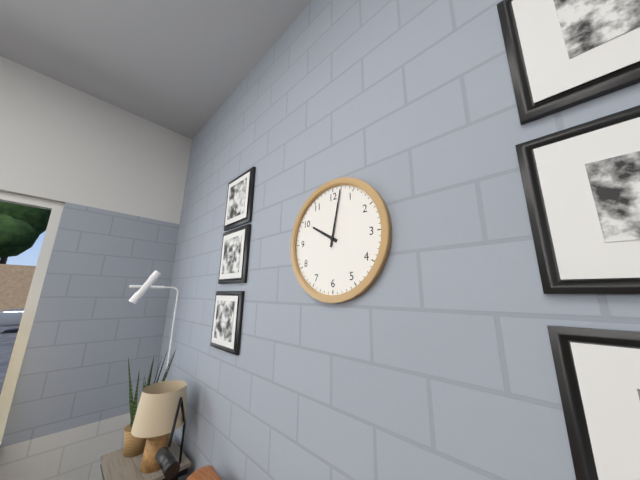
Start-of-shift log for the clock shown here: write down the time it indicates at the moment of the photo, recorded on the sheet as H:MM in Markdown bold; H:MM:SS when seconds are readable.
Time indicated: **10:02**
